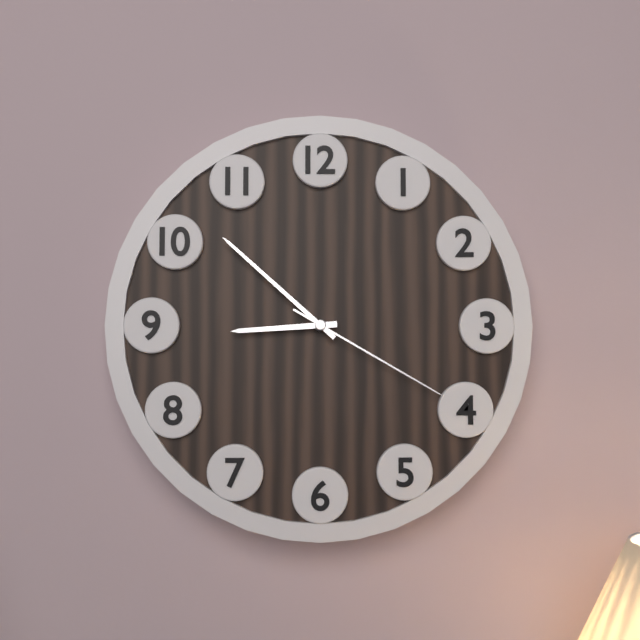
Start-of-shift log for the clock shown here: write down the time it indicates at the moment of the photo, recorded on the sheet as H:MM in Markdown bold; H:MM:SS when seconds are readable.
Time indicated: **8:52:20**
